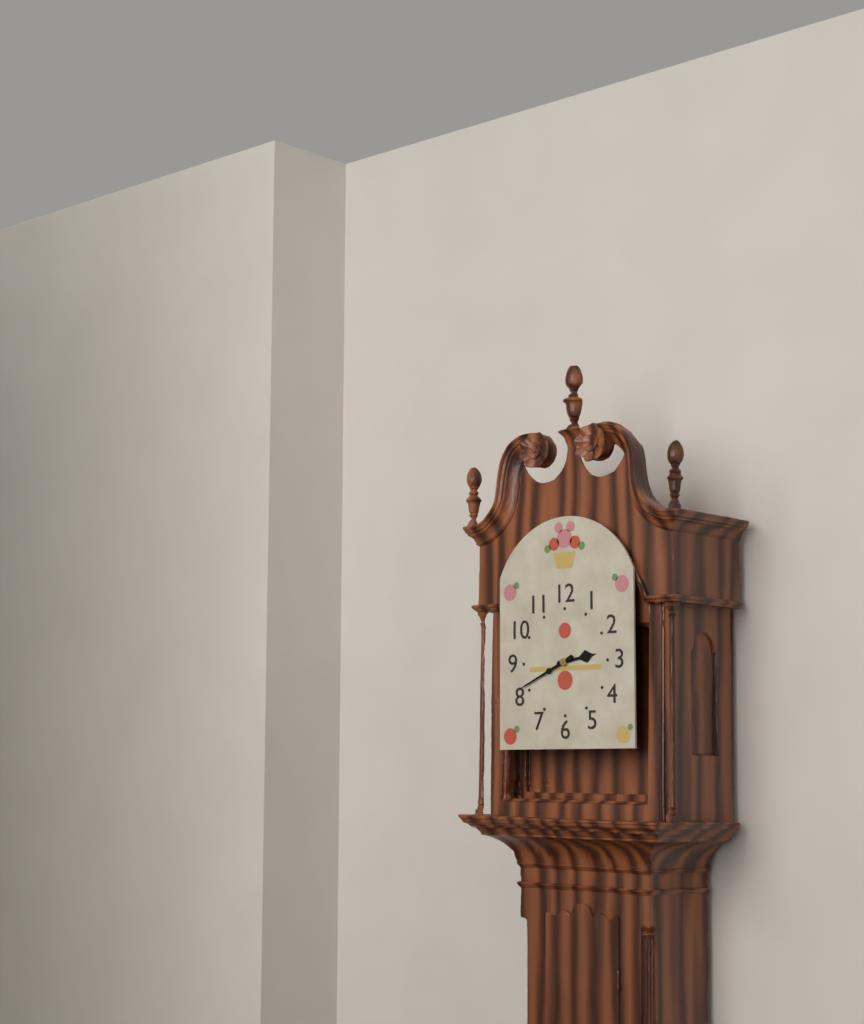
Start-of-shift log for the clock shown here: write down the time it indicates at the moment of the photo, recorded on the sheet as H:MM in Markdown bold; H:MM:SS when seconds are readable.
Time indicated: **2:41**
